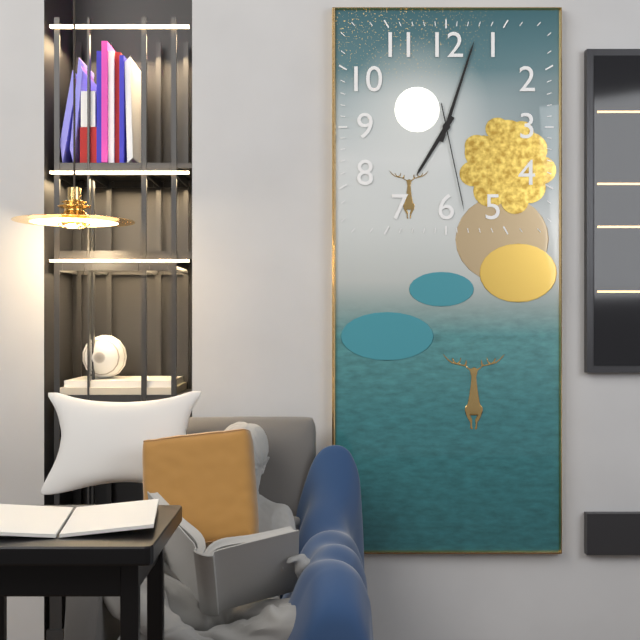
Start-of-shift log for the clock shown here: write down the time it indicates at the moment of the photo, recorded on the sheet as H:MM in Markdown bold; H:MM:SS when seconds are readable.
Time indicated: **7:03:28**
